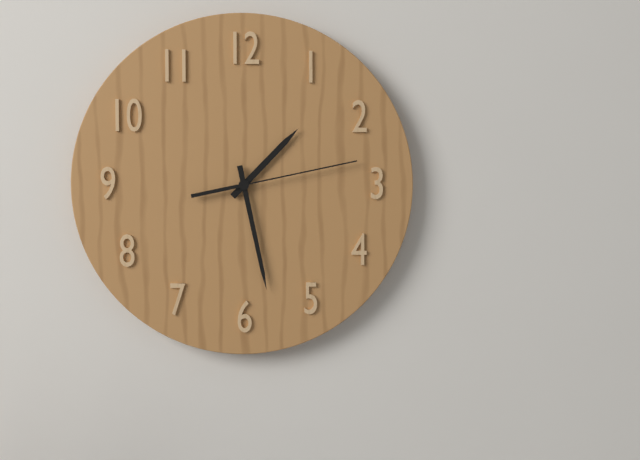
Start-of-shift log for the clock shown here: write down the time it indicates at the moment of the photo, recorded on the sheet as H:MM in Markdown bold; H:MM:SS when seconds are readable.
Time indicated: **1:28:13**
